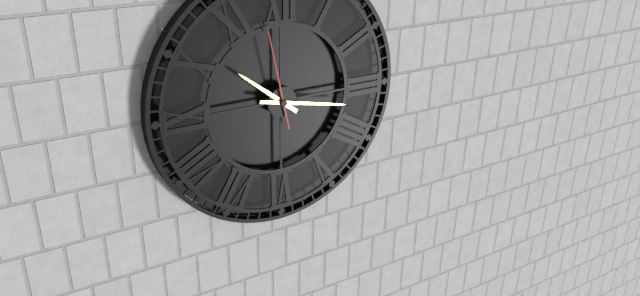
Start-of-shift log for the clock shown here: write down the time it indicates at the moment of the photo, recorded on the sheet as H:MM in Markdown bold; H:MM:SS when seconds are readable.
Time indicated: **10:17:58**
